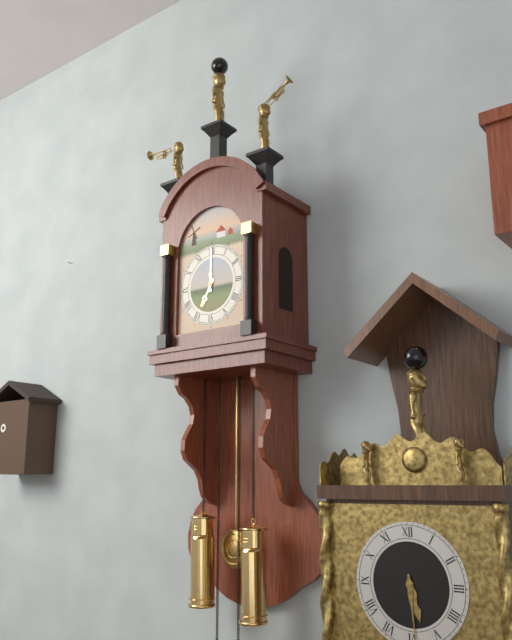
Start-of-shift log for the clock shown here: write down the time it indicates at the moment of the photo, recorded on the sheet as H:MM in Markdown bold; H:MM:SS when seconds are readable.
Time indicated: **7:00**
